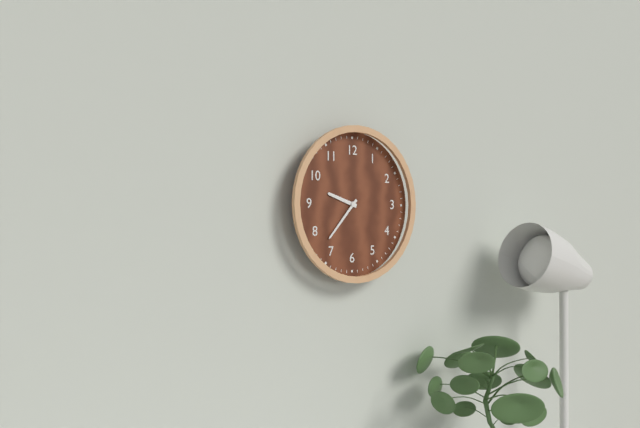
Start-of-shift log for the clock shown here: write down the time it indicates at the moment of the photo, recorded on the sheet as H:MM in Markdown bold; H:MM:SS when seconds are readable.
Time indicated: **9:37**
